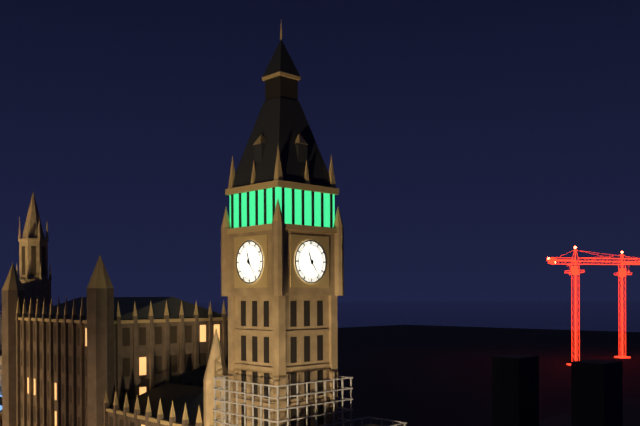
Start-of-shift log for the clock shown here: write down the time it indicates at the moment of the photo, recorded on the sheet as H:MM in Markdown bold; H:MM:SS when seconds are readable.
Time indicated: **11:24**
